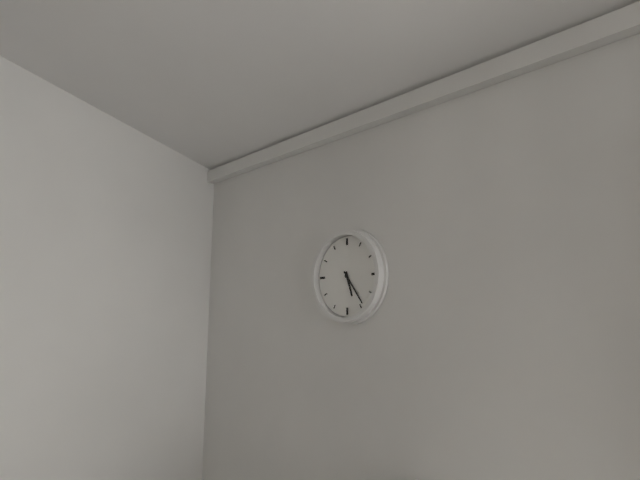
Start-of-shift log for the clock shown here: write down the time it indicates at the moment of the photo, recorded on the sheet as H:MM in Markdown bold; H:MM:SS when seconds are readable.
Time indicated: **5:24**
